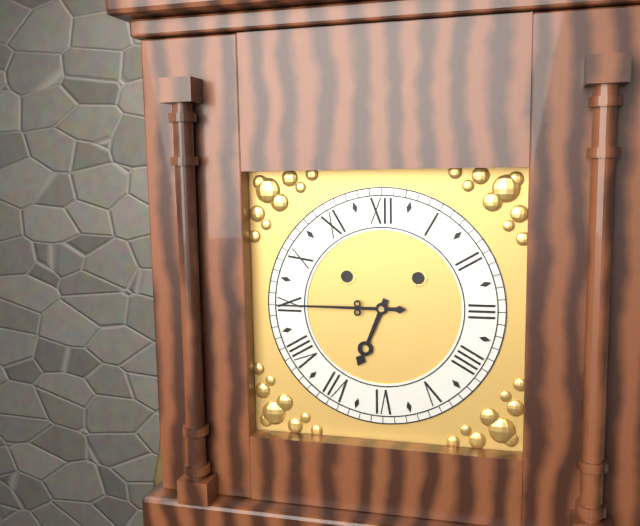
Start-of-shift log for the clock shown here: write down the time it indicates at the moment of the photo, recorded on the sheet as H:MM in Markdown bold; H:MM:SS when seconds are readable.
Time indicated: **6:45**
